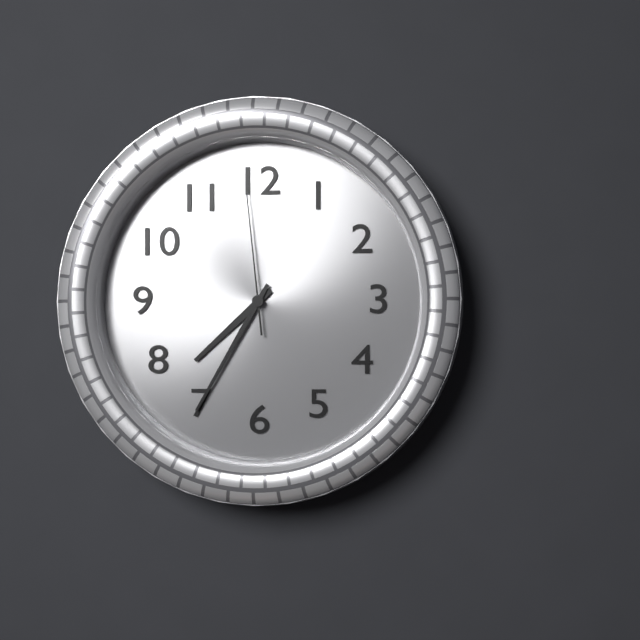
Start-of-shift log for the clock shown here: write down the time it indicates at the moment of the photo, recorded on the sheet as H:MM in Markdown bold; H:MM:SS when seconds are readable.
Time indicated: **7:35:59**
